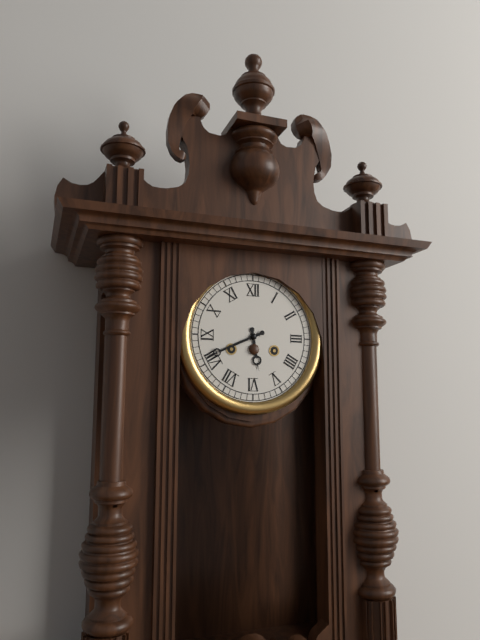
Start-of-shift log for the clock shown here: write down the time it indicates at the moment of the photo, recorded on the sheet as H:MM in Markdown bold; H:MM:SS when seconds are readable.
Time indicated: **5:41**
